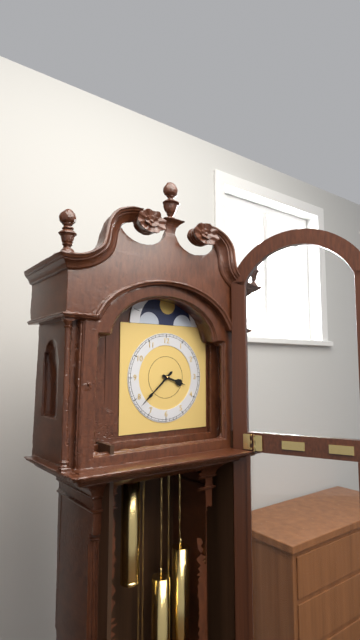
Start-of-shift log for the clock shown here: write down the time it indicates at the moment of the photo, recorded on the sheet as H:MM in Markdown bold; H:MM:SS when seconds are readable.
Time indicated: **3:38**
